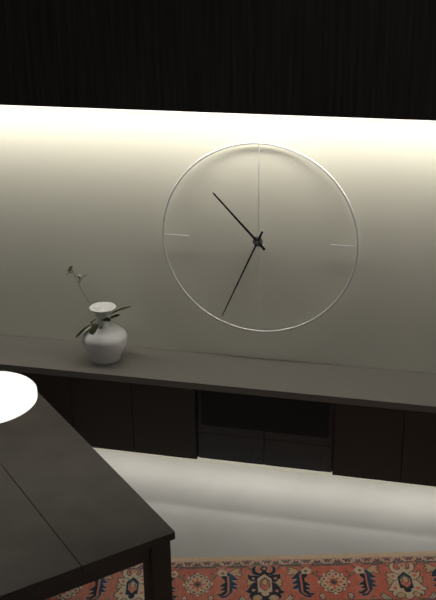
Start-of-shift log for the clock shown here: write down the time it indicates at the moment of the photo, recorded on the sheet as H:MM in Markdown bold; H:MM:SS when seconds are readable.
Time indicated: **10:34**
